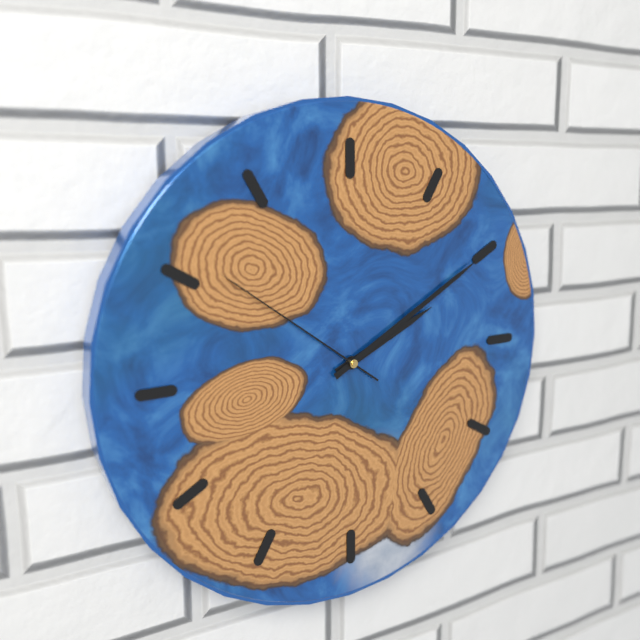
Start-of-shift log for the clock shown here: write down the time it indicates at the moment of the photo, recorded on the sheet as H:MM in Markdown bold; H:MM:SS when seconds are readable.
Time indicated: **2:10:51**
